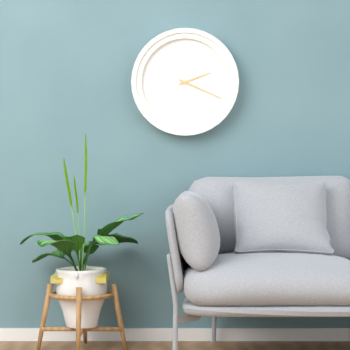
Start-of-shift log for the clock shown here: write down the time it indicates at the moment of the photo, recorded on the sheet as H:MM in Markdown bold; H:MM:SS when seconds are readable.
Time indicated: **2:19**
